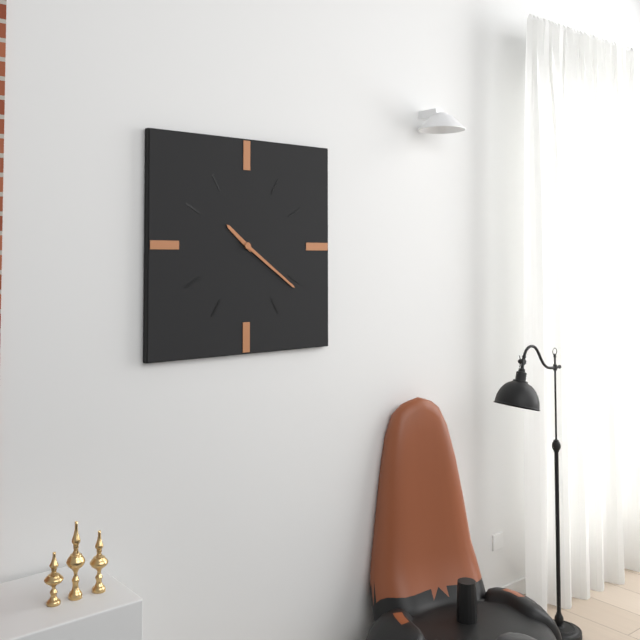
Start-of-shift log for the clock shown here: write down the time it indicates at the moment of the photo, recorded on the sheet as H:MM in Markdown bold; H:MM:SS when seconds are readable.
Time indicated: **10:21**
